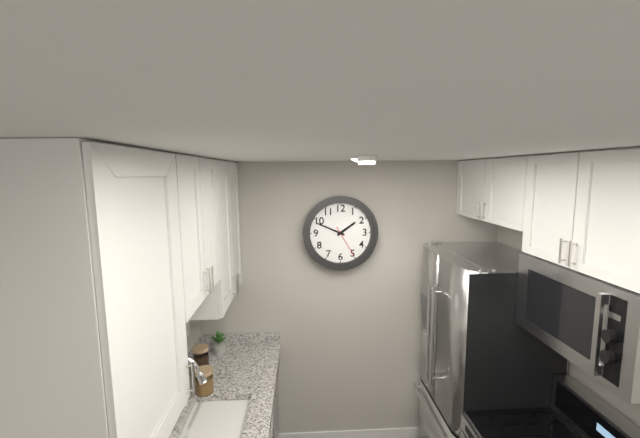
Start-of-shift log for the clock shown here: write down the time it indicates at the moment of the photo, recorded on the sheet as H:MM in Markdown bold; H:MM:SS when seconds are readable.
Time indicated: **1:49**
